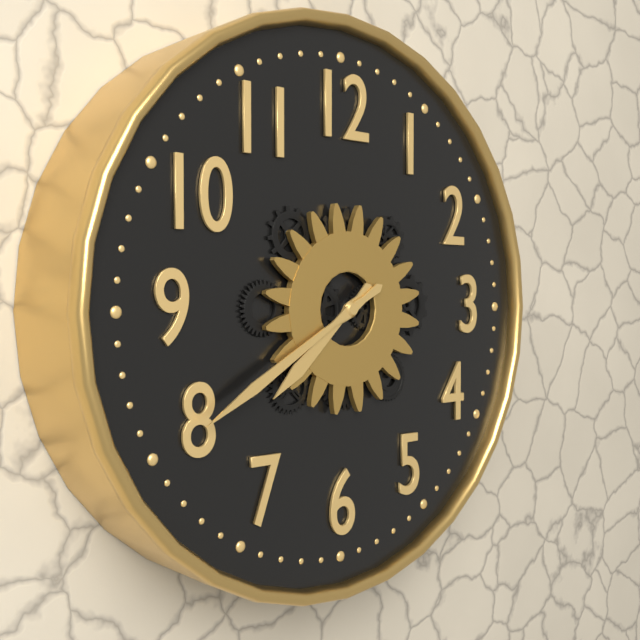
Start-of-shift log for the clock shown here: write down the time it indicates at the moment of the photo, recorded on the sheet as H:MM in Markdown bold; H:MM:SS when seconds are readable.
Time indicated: **7:40**
